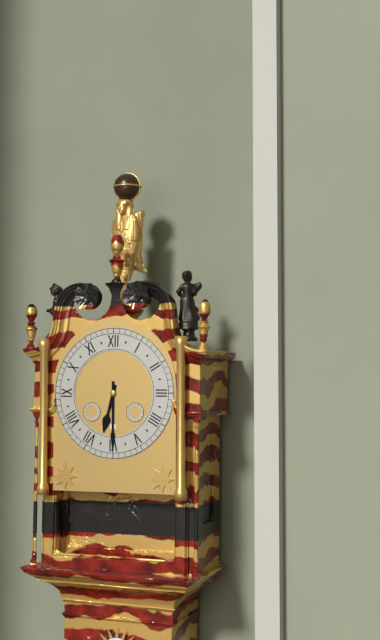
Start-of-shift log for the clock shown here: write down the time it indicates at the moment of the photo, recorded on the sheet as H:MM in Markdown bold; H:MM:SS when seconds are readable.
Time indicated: **6:30**
